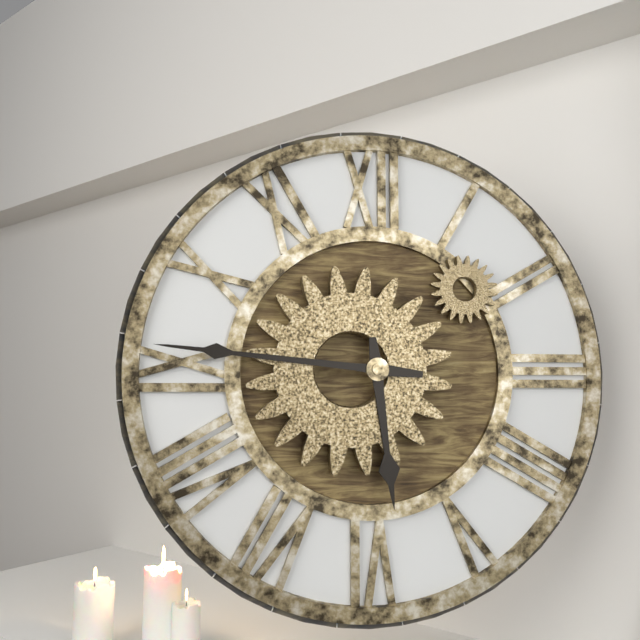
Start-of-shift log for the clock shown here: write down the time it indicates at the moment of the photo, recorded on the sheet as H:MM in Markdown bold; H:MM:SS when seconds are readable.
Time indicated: **5:46**
